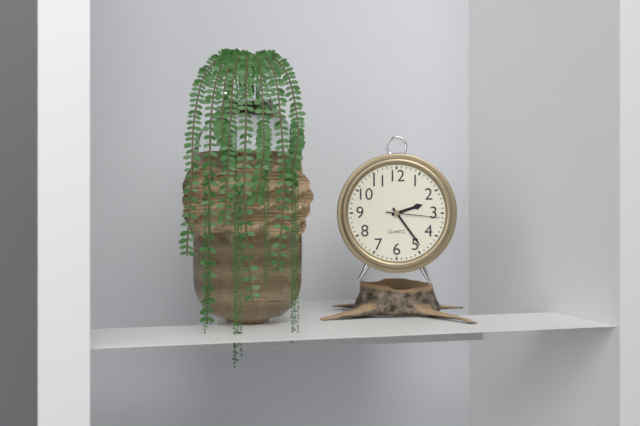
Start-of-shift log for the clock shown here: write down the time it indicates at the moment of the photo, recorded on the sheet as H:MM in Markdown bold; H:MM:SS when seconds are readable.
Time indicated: **2:24:16**
